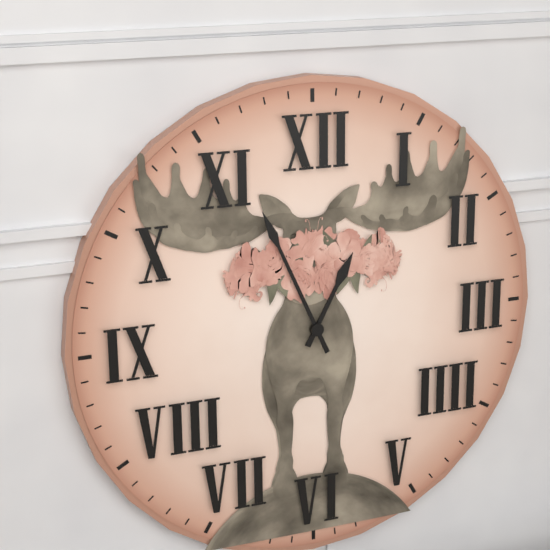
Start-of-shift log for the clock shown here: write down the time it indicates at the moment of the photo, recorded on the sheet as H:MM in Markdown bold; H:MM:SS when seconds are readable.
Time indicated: **12:56**
